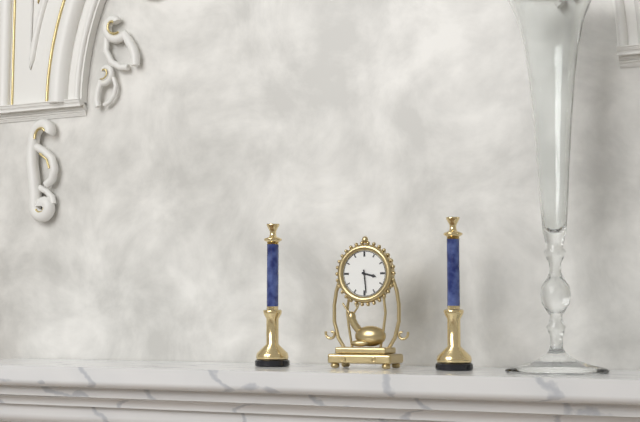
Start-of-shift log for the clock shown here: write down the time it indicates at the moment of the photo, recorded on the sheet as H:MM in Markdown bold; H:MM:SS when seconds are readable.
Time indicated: **3:29**
